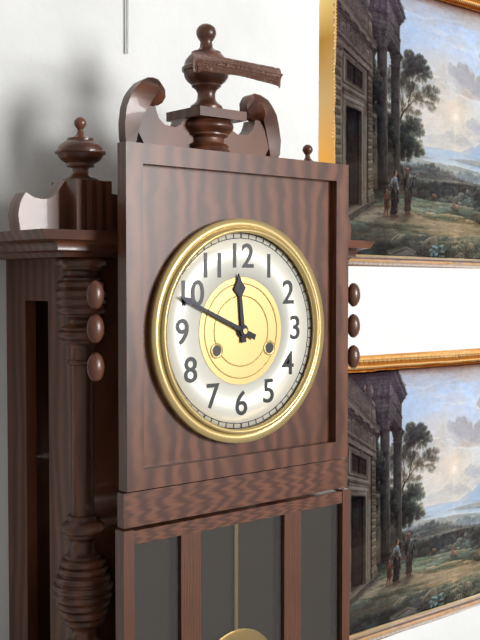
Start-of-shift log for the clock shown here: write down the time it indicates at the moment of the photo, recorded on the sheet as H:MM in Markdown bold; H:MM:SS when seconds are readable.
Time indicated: **11:49**
